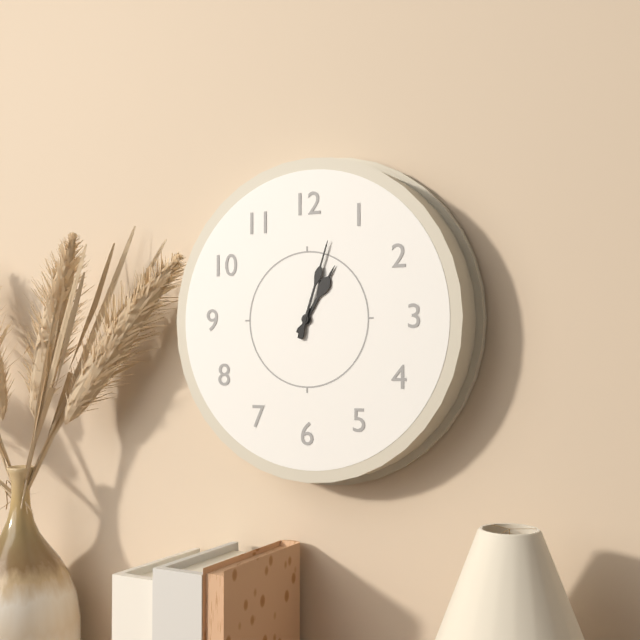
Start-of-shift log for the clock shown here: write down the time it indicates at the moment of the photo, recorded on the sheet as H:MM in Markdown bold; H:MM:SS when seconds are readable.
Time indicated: **1:03**
